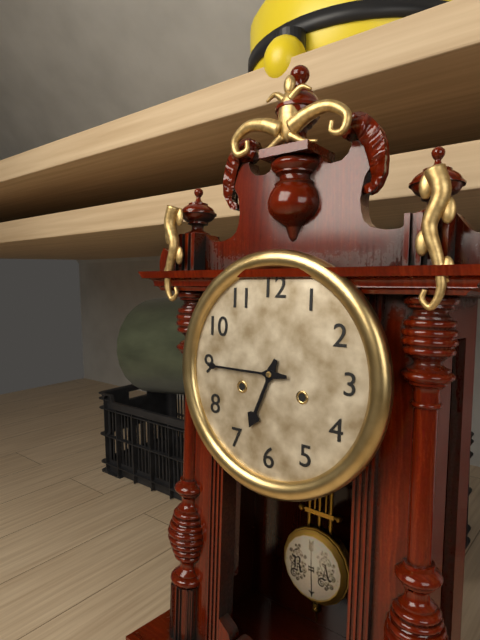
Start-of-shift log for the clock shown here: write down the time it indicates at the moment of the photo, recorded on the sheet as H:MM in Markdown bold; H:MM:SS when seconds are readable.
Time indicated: **6:45**
